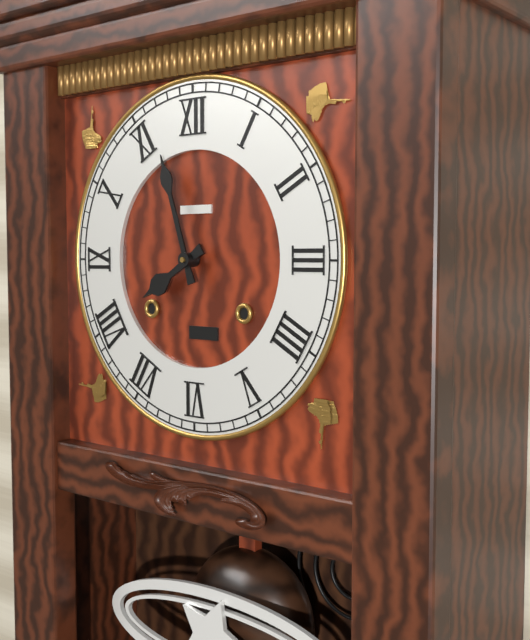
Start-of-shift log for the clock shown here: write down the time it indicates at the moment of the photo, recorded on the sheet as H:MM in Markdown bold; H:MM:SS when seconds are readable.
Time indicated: **7:57**
